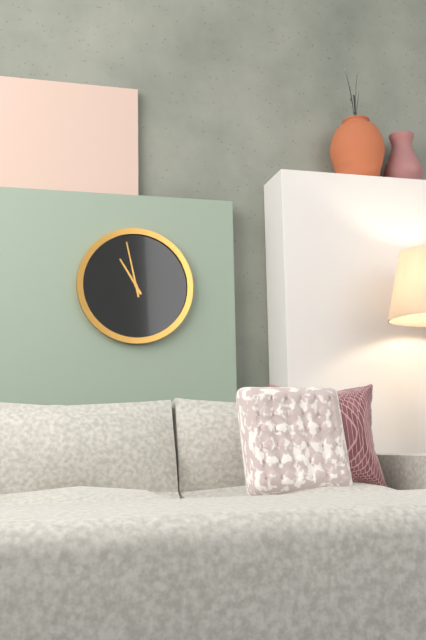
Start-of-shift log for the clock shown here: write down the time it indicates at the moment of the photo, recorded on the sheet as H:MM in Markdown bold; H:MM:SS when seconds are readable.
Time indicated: **10:58**
